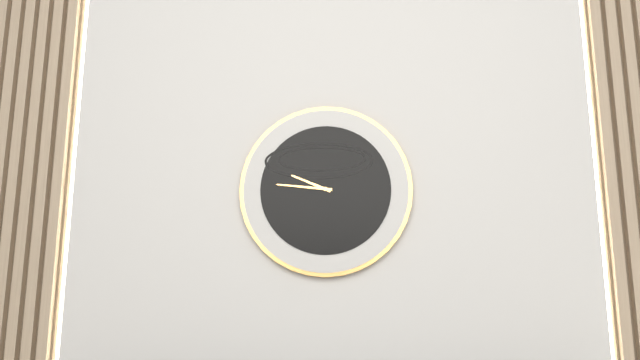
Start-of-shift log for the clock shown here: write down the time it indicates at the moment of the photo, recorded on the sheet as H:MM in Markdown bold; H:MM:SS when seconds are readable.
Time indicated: **9:46**
